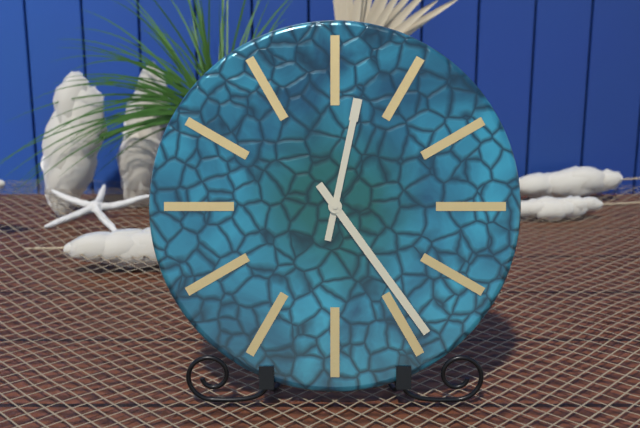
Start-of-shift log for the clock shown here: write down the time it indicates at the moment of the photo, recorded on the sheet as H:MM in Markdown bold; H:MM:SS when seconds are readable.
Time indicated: **12:24**
